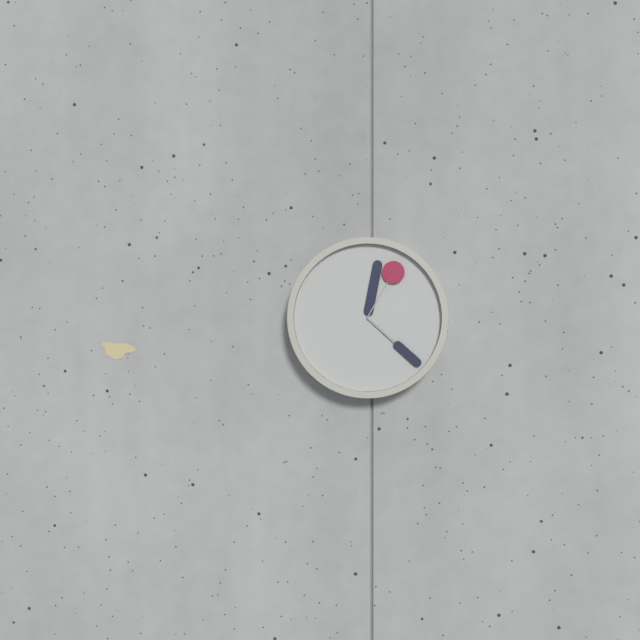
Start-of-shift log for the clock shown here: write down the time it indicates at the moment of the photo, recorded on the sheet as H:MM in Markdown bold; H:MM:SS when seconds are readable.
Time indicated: **12:22:05**
